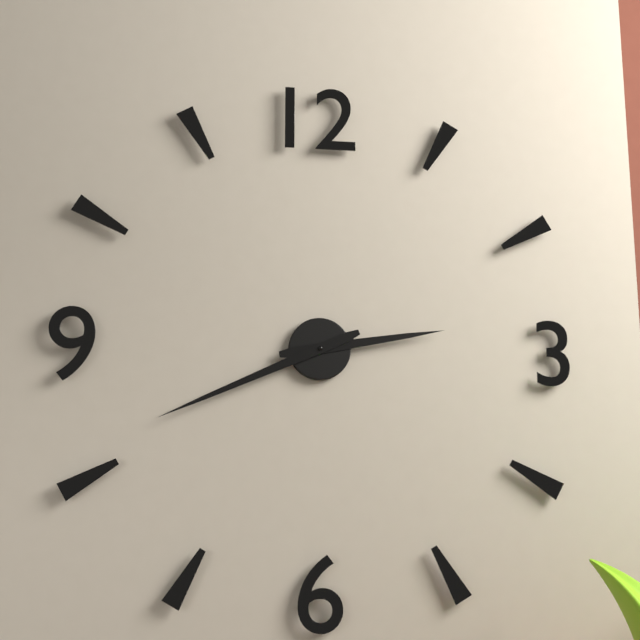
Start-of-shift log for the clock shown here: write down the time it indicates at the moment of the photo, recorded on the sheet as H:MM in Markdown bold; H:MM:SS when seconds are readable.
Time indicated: **2:41**
